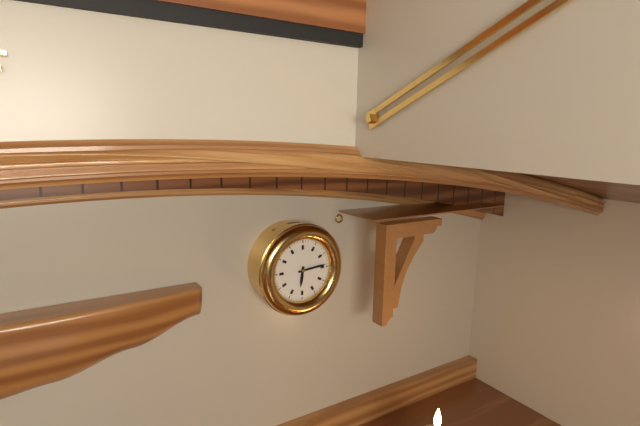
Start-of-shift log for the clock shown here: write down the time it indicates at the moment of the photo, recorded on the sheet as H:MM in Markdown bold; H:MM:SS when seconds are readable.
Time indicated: **6:14**
